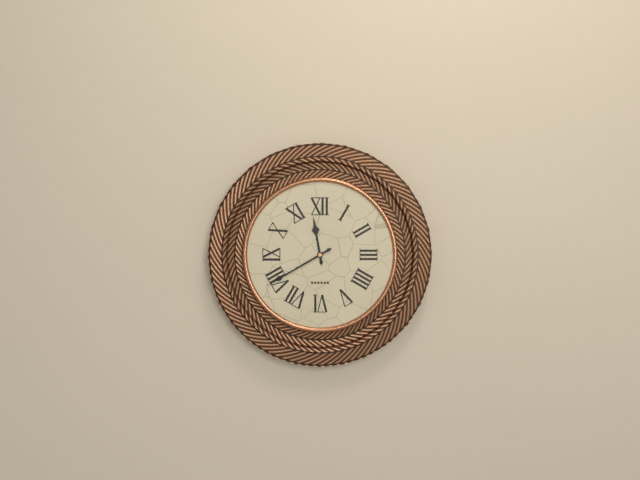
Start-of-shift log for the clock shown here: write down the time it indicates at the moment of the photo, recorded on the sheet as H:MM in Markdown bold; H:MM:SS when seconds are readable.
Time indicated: **11:40**
